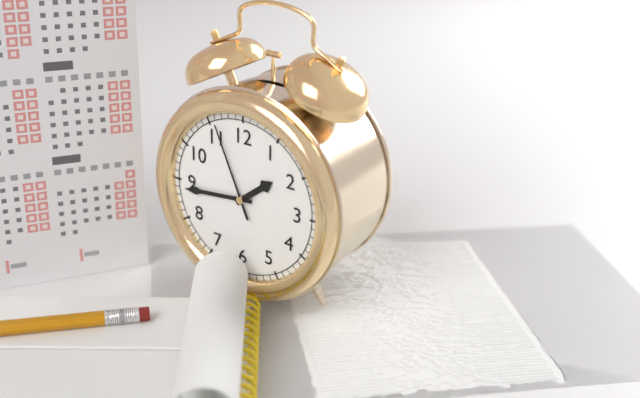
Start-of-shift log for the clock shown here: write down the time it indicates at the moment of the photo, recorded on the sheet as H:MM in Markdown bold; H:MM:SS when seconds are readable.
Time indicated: **1:44:56**
